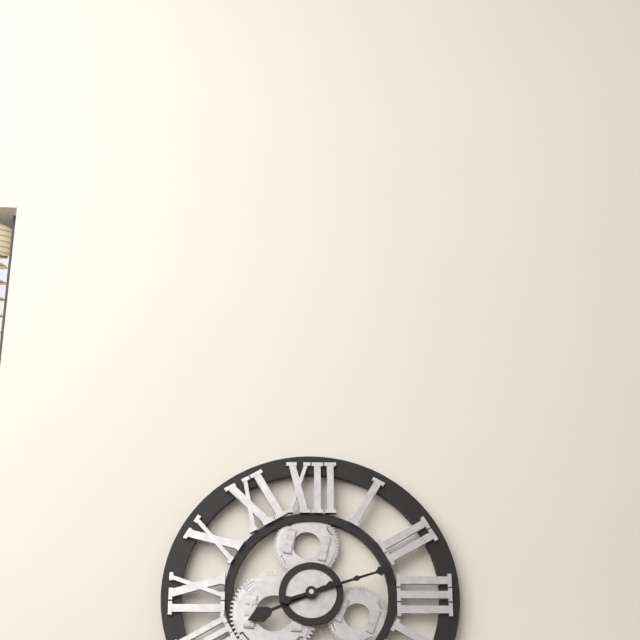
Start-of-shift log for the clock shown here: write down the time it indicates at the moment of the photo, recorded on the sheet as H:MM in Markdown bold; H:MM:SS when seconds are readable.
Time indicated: **8:12**
